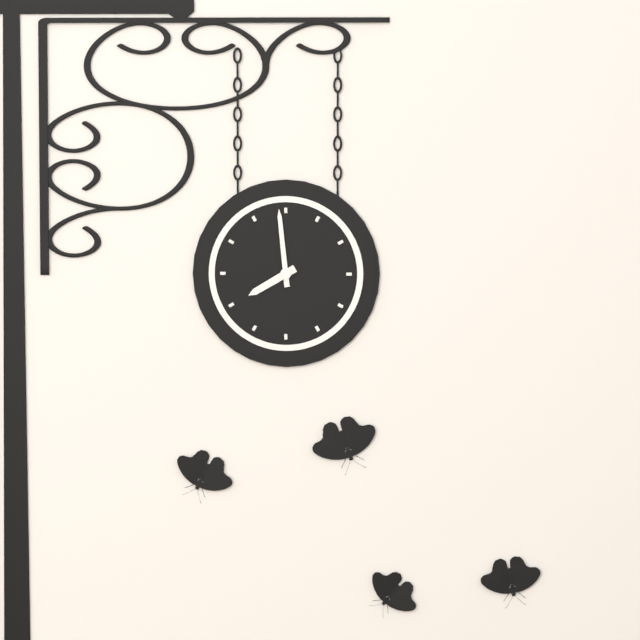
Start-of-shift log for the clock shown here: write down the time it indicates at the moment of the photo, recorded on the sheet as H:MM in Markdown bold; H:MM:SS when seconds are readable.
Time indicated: **7:59**
